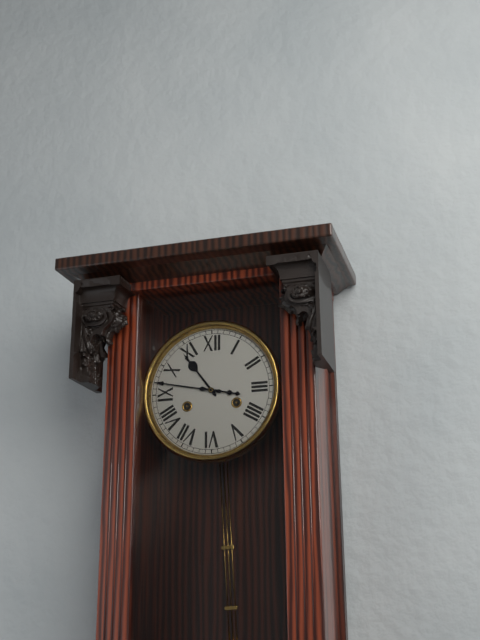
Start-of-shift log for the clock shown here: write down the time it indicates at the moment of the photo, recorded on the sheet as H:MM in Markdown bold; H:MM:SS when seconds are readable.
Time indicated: **10:47**
